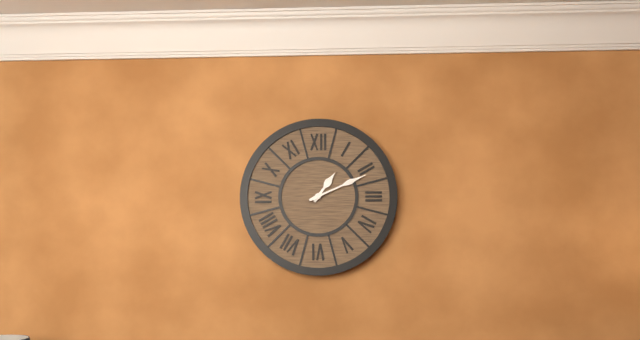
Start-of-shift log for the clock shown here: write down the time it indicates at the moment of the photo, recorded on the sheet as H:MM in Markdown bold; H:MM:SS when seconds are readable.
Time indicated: **1:11**
